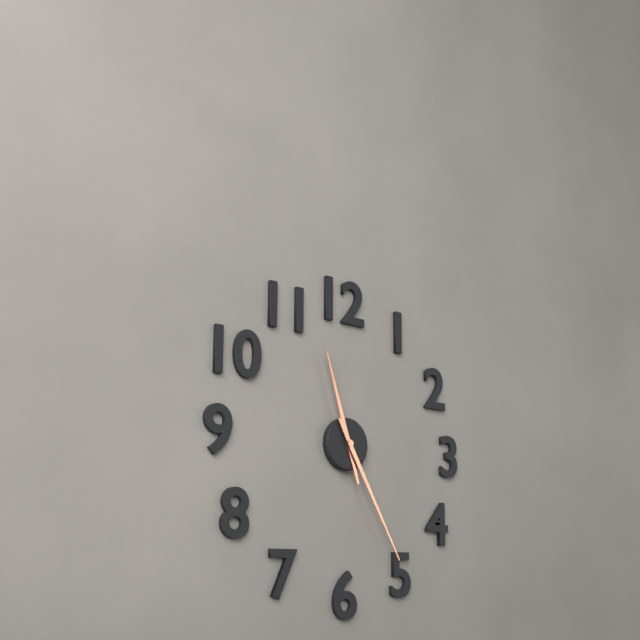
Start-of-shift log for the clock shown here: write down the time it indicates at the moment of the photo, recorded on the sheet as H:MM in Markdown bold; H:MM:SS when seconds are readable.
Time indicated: **11:25**
